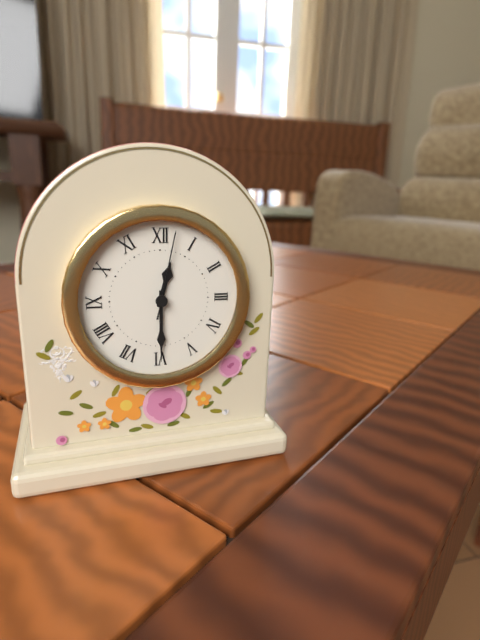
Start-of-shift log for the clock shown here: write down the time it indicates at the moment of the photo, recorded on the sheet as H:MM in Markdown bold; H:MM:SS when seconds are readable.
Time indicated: **12:30:02**
